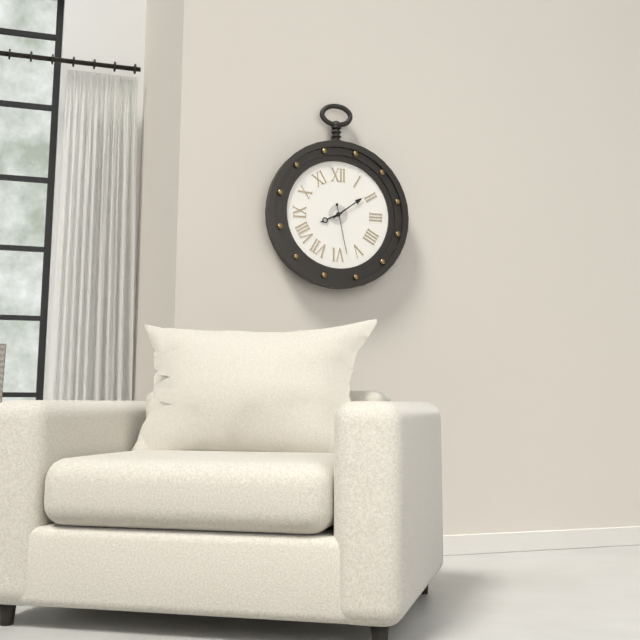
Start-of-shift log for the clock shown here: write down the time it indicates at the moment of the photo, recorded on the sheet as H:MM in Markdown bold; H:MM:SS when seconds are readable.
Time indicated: **8:09:28**
